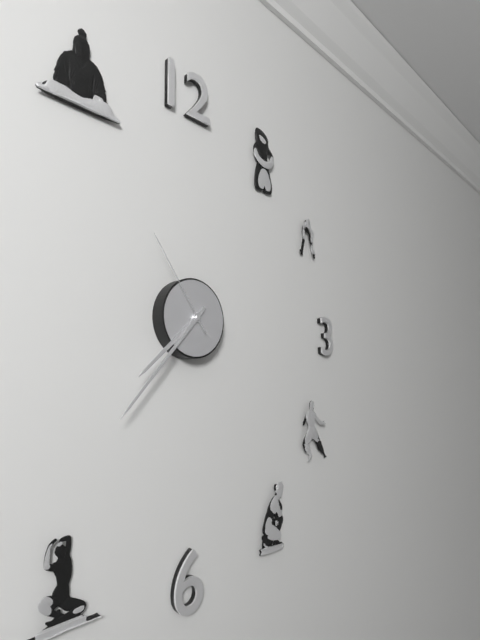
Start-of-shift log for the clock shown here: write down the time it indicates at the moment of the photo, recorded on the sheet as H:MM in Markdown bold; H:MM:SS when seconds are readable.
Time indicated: **7:37:54**
